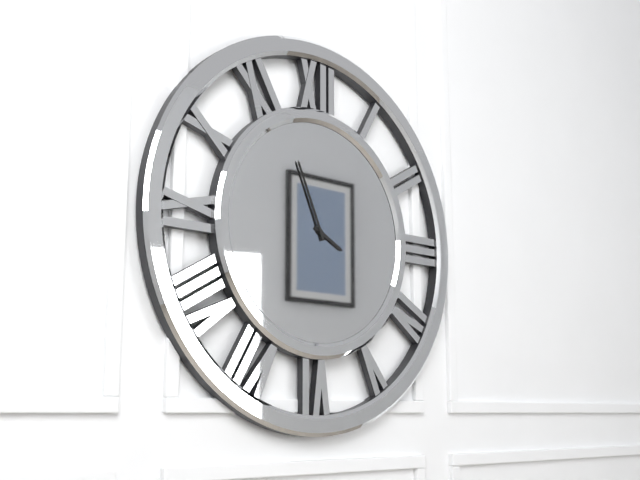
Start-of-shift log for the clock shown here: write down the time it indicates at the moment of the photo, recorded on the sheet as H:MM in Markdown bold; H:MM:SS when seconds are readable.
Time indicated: **3:56**
